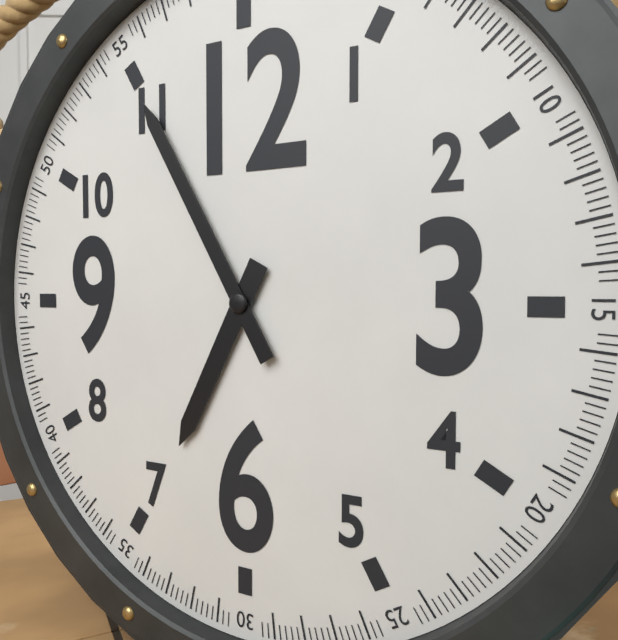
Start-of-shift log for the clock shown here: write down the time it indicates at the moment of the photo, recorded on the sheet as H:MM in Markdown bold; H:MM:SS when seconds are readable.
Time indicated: **6:55**
